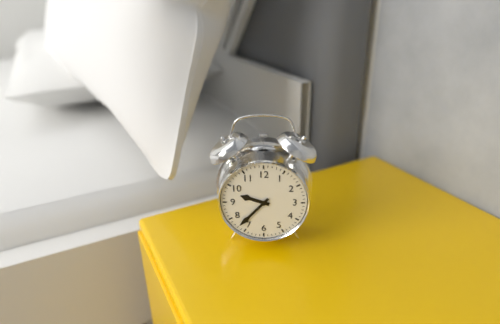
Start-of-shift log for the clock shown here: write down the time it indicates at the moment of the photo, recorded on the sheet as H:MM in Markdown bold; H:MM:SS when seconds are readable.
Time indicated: **9:37**
